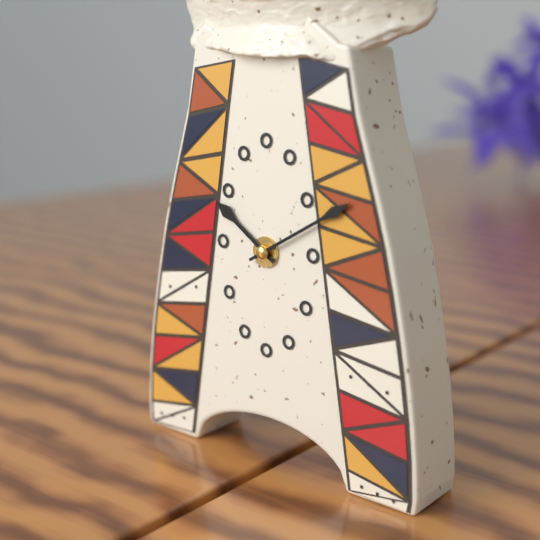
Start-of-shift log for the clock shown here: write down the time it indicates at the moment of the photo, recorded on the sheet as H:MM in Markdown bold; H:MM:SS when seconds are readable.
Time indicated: **10:10**
